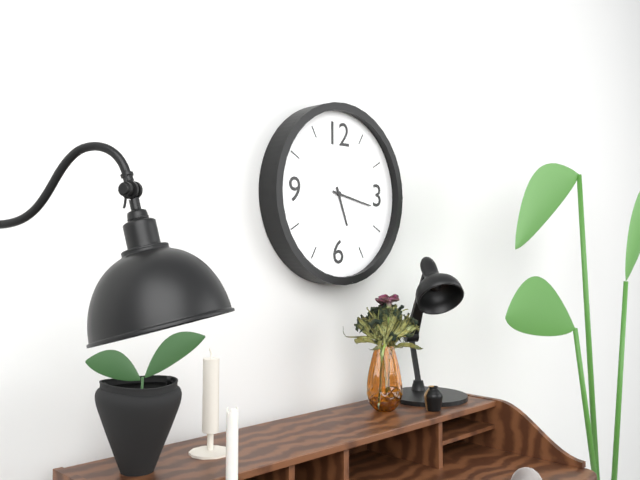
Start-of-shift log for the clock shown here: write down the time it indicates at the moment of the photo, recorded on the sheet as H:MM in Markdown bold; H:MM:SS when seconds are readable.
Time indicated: **5:17**
